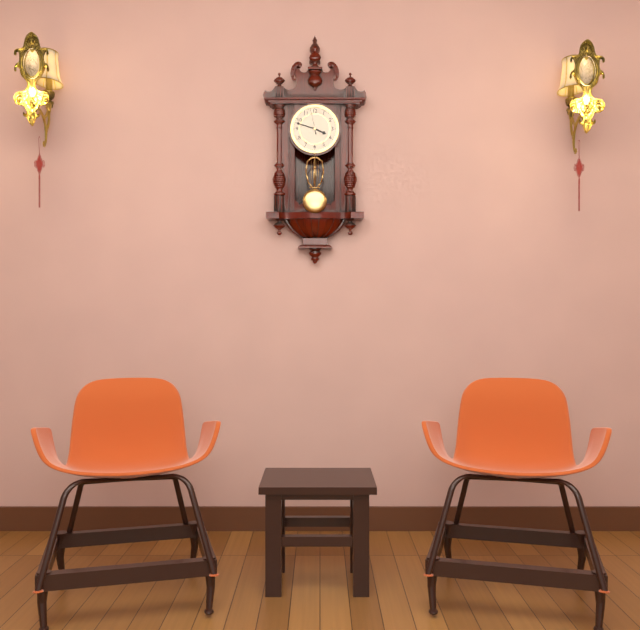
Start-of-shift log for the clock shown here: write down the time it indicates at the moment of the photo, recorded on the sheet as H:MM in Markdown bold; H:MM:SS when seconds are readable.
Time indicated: **3:48**
